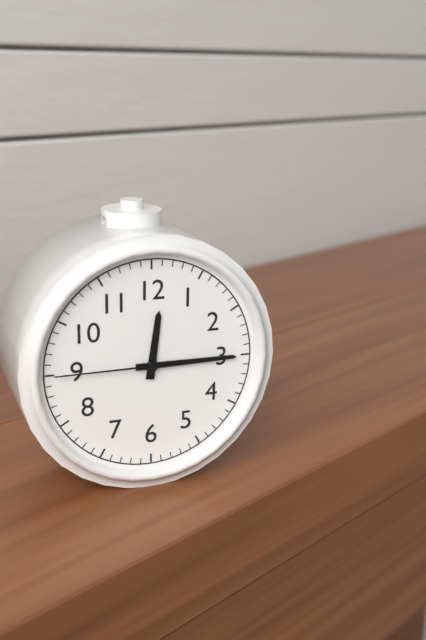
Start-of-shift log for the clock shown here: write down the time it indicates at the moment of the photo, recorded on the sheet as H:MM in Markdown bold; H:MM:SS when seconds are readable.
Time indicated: **12:15:45**
